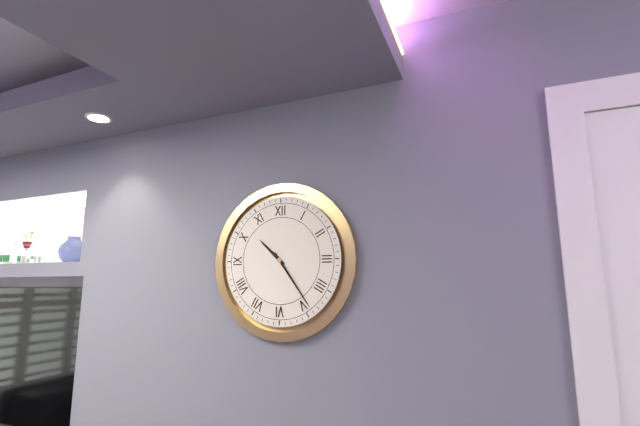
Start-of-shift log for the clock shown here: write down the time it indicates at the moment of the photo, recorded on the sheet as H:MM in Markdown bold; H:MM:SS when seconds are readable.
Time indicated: **10:24**
